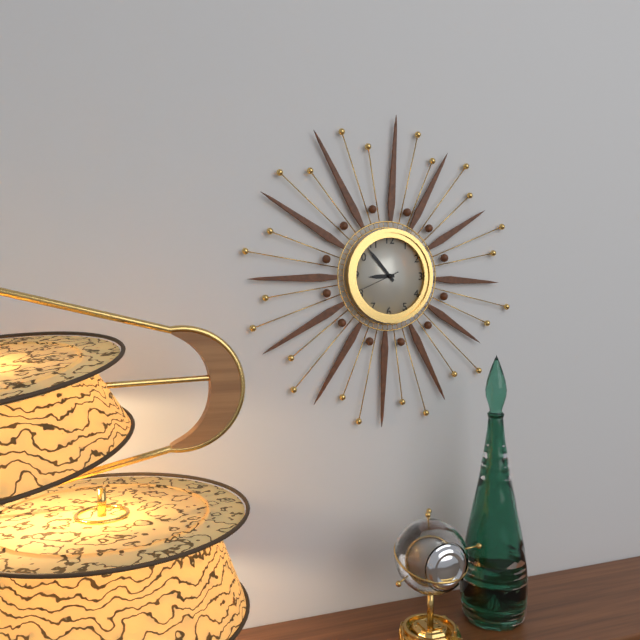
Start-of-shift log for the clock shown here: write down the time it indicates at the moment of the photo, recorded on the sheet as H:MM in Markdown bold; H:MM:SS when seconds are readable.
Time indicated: **8:53**
